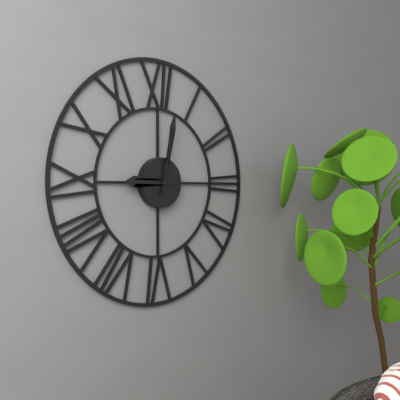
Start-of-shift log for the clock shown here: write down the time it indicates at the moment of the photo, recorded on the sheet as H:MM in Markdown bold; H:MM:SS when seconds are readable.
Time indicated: **9:02**
